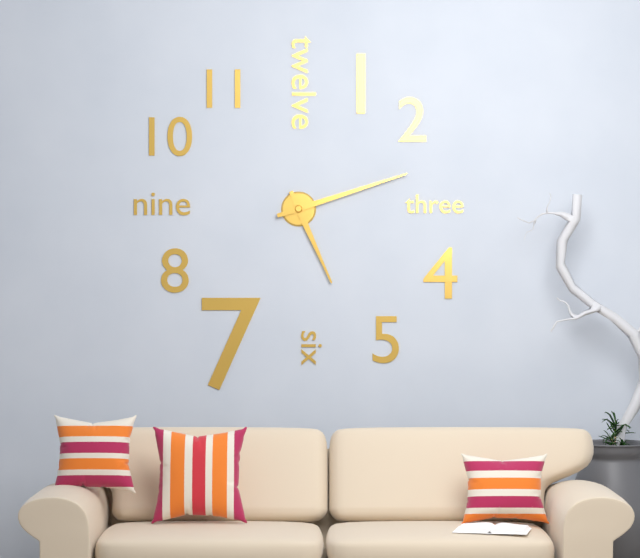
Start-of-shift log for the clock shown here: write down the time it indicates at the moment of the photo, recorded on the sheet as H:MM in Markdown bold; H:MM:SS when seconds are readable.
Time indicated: **5:12**
